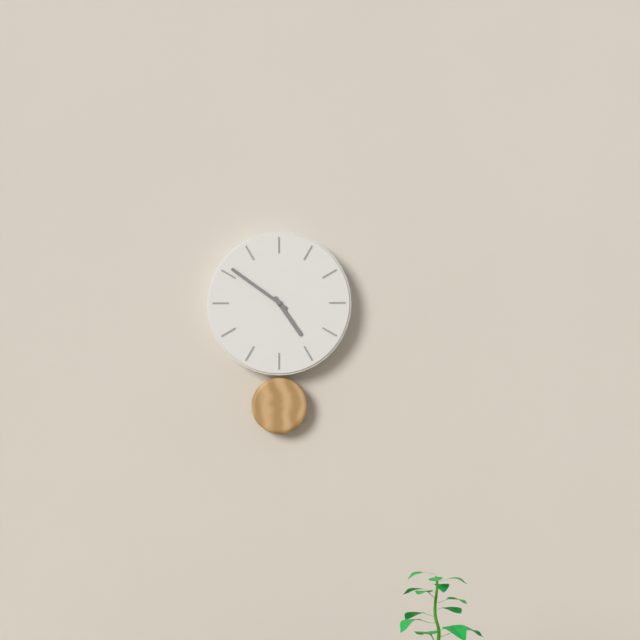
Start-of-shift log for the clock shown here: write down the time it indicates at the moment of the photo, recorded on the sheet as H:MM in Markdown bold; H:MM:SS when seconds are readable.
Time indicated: **4:51**
